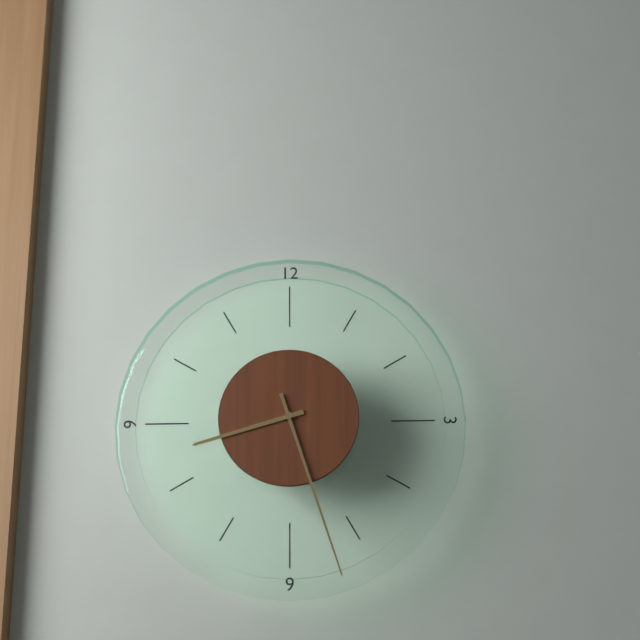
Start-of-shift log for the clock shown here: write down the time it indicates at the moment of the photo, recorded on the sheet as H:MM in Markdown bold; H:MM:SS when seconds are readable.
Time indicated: **8:27**
